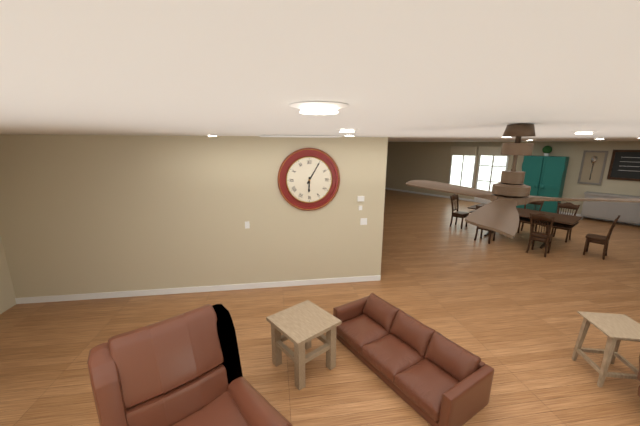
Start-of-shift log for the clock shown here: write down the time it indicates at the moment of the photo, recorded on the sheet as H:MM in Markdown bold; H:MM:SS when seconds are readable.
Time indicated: **6:05**
